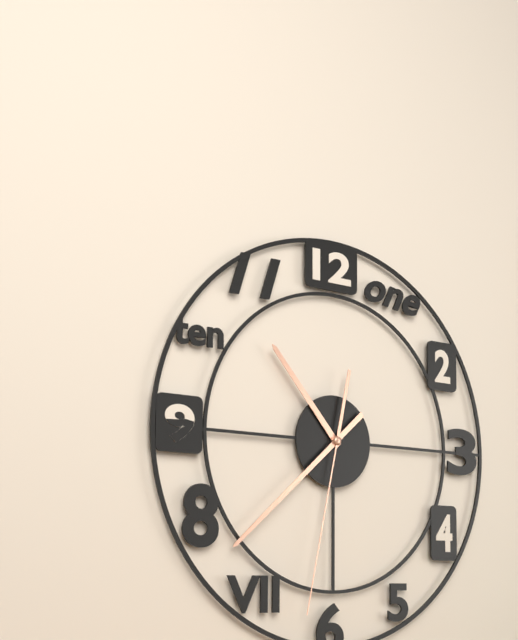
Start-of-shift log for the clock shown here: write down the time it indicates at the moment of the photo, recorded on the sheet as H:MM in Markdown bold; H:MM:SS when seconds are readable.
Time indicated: **10:38:32**
